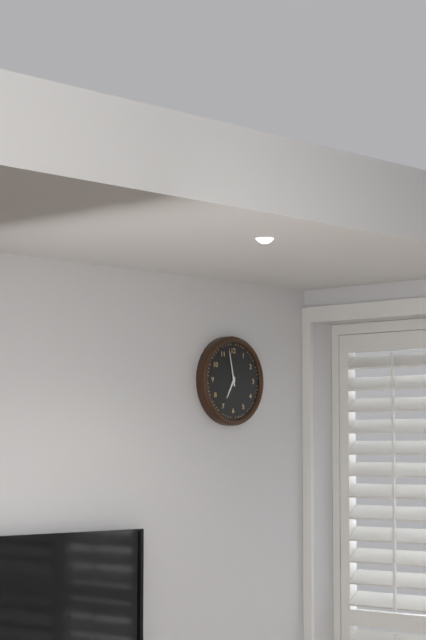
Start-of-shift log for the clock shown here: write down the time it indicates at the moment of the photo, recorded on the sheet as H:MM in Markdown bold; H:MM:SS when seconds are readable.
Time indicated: **6:58**
